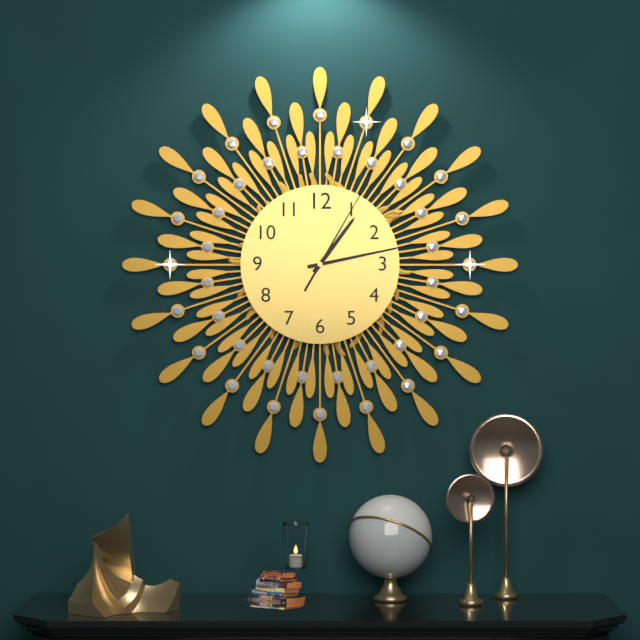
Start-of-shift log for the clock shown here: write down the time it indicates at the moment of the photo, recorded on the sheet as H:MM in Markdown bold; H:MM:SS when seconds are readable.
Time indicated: **1:13:05**
